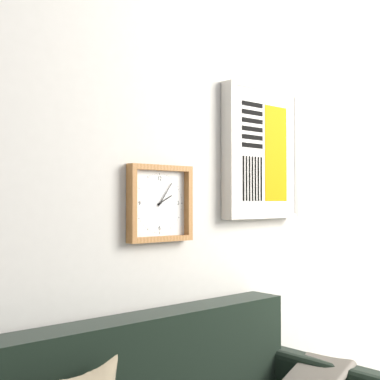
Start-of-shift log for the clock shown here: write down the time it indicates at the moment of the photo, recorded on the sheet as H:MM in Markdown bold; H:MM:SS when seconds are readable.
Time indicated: **2:06**
